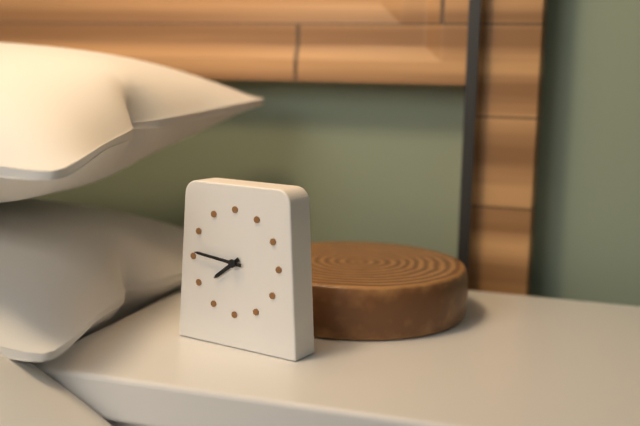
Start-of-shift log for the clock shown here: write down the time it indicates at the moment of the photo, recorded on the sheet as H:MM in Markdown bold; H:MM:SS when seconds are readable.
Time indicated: **7:46**
